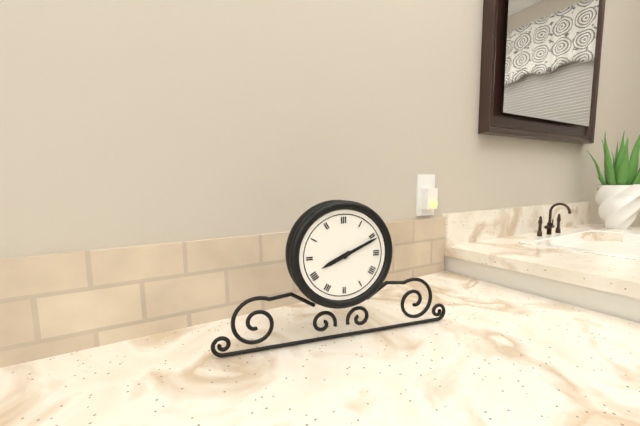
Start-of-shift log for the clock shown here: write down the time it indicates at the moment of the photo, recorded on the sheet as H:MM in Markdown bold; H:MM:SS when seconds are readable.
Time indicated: **8:11**
